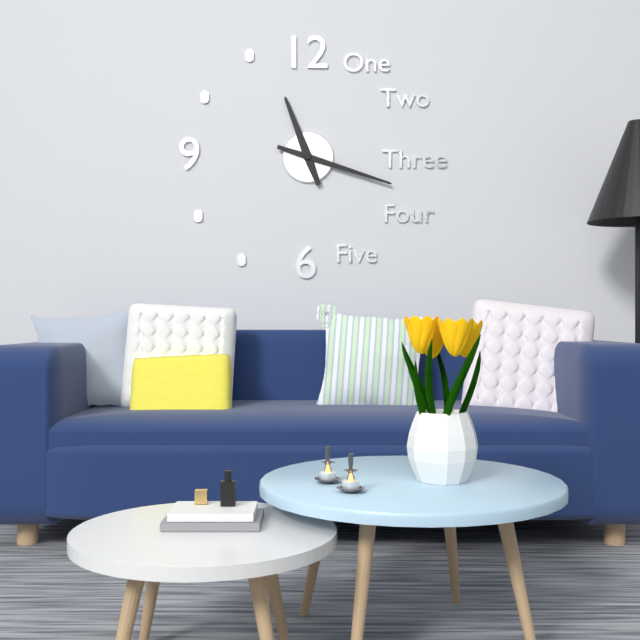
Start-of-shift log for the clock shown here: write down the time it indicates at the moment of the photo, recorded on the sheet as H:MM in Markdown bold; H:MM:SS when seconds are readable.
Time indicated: **11:18**
